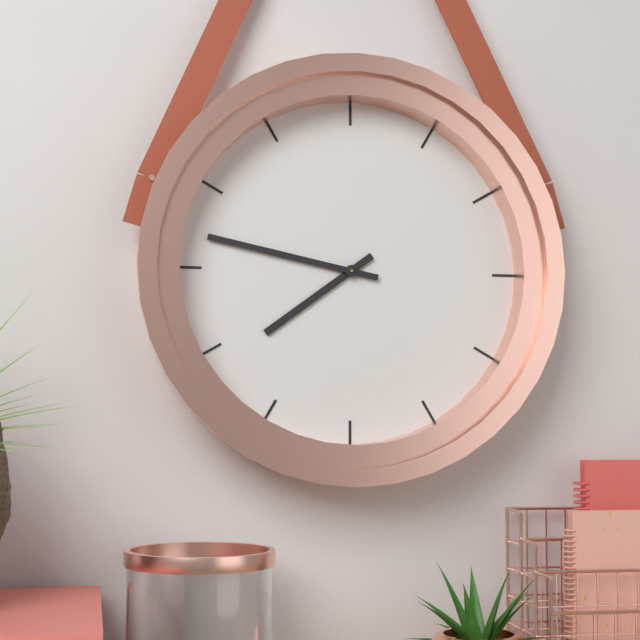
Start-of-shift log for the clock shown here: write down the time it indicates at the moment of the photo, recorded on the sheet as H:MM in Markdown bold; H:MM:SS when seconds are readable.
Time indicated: **7:47**
